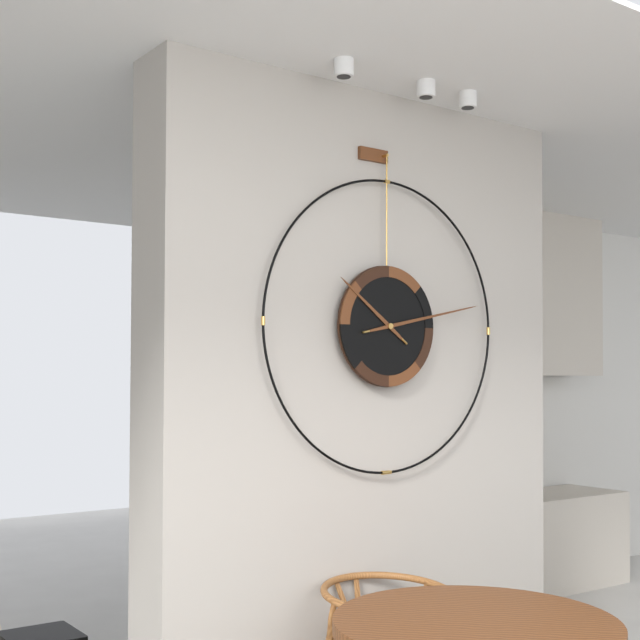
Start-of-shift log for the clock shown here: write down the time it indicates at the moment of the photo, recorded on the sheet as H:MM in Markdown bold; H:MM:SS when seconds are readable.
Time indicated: **10:13**
